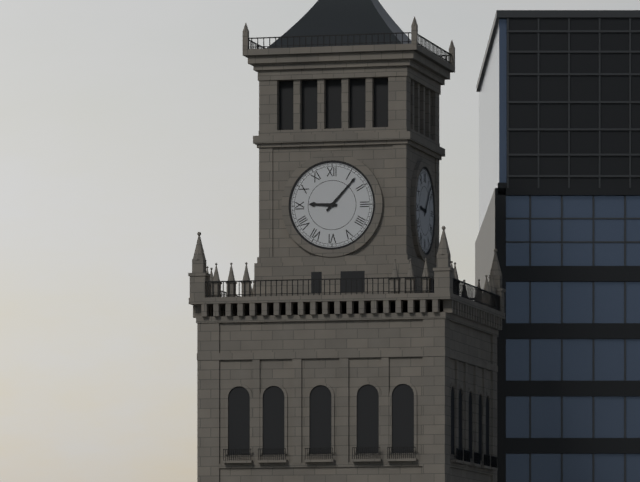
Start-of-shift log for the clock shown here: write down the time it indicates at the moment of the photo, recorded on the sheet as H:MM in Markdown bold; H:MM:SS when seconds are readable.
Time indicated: **9:07**
